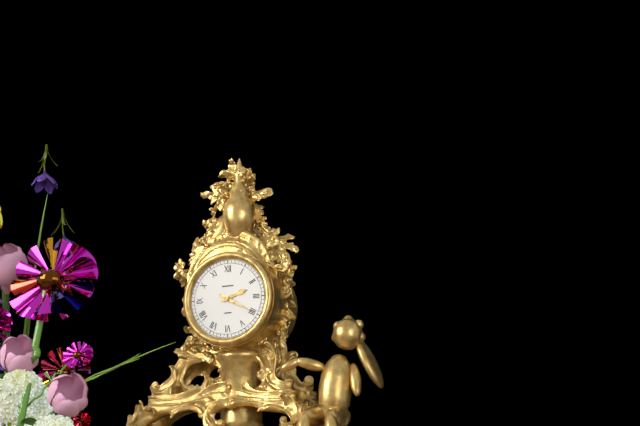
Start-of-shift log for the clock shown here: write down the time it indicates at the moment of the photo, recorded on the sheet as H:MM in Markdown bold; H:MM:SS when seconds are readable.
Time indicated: **2:20**
